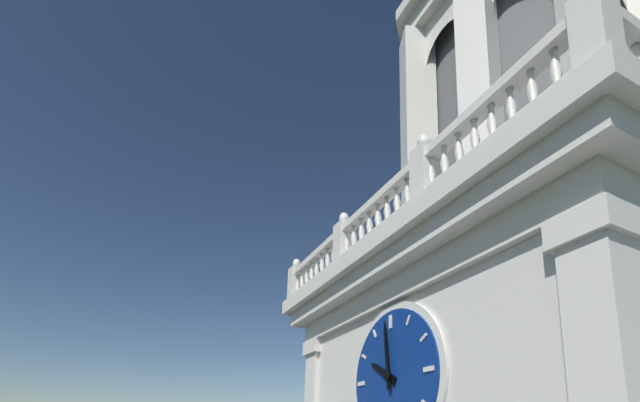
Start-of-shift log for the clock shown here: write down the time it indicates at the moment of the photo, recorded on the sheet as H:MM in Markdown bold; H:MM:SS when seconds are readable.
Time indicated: **9:59**
